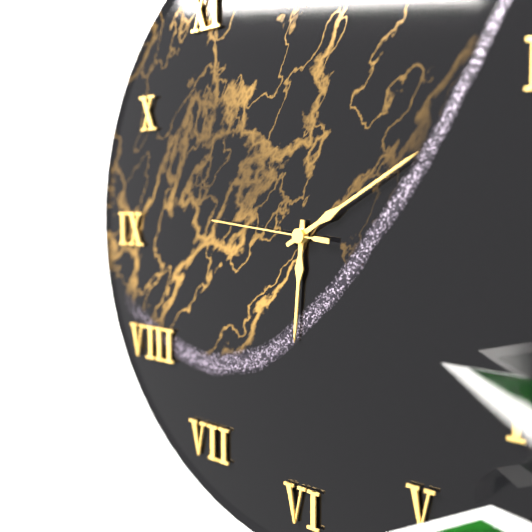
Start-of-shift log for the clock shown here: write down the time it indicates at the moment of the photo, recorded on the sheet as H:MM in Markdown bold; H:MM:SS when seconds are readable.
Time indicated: **6:10:46**
